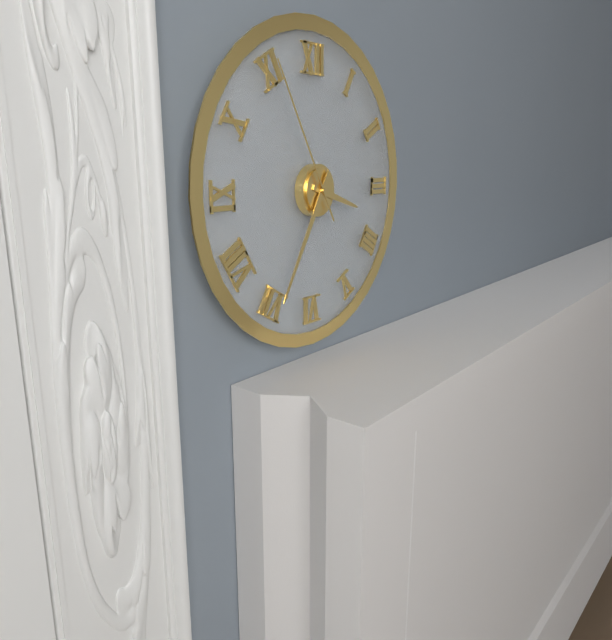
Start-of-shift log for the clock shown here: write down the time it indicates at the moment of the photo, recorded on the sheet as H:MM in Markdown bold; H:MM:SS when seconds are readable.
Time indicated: **3:35:55**
